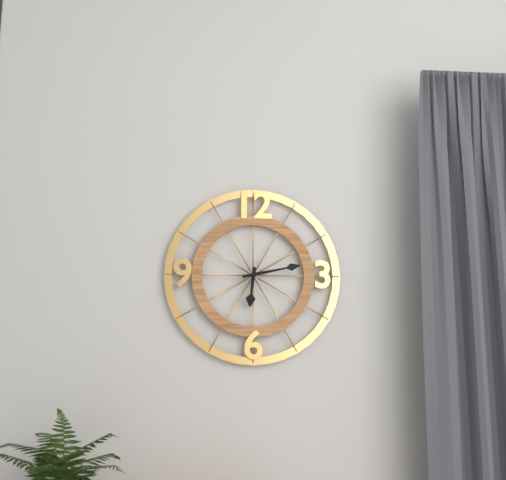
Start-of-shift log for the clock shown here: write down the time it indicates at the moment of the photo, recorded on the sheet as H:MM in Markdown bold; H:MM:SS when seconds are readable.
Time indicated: **6:13**
